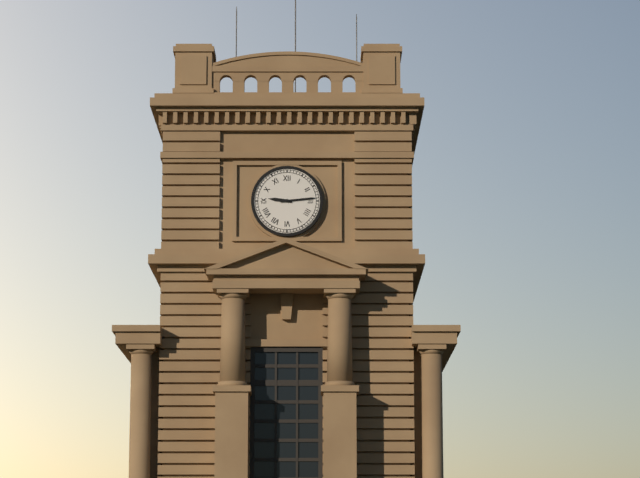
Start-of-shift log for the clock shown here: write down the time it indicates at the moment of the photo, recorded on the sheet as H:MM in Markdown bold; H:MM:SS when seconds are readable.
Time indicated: **9:14**
